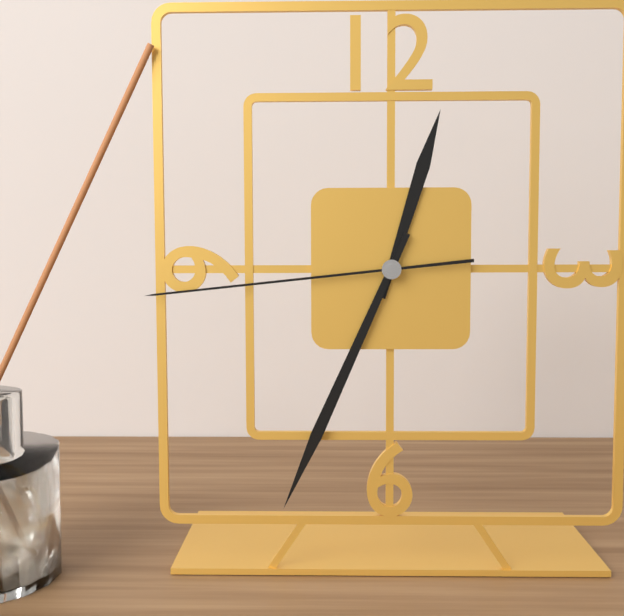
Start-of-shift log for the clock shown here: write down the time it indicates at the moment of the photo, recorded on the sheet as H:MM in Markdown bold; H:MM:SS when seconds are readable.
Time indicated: **12:34:44**
